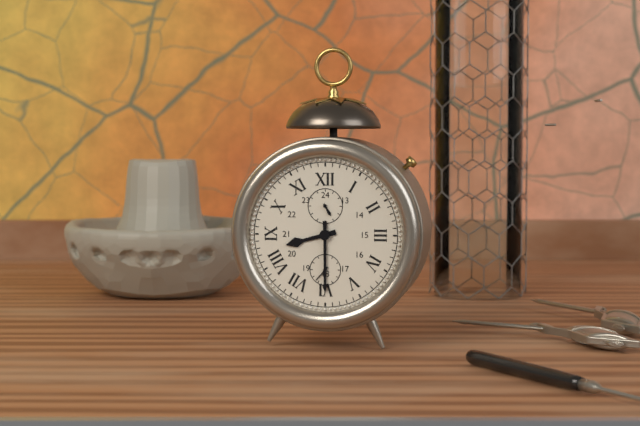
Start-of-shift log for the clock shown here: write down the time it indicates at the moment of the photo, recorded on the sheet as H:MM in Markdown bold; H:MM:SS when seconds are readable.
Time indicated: **8:30**
